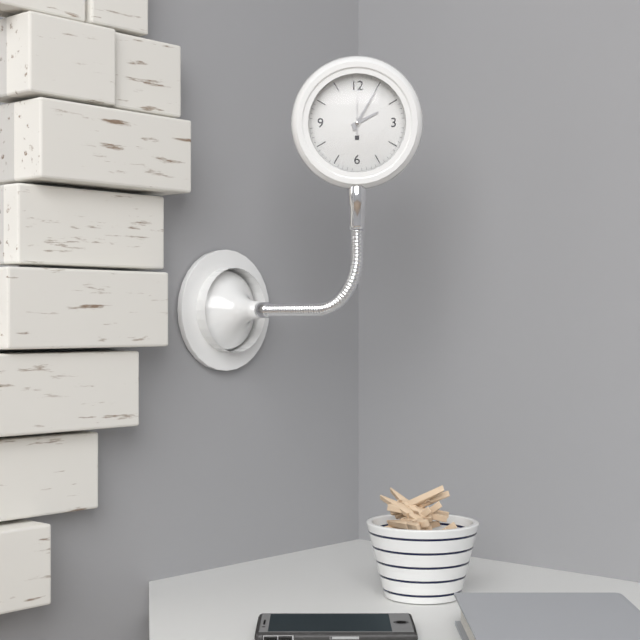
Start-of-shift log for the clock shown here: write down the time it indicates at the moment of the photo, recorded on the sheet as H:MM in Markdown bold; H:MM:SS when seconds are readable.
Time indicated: **2:05**
